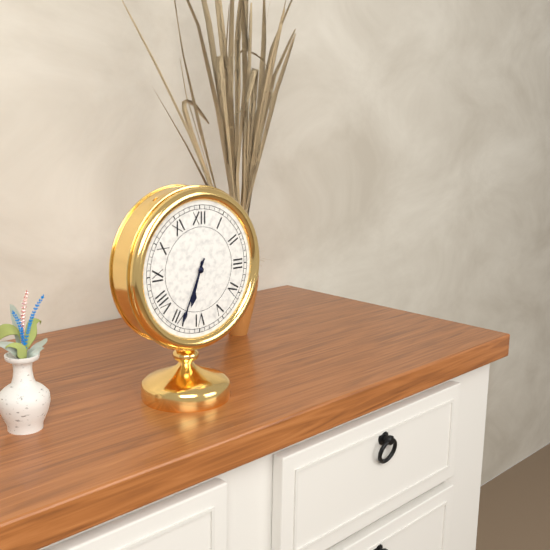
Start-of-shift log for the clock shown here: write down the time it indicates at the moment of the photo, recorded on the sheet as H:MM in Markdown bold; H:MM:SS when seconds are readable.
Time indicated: **6:34**
